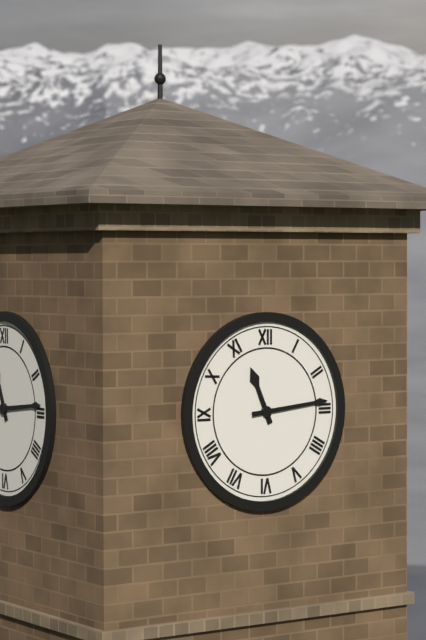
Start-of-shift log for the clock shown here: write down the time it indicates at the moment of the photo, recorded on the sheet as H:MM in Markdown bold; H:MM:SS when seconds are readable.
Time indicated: **11:14**
